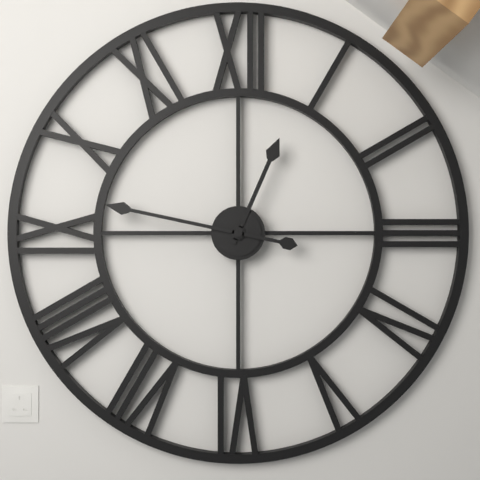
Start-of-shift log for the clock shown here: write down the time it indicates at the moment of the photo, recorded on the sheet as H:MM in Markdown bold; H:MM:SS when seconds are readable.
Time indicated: **12:47**
